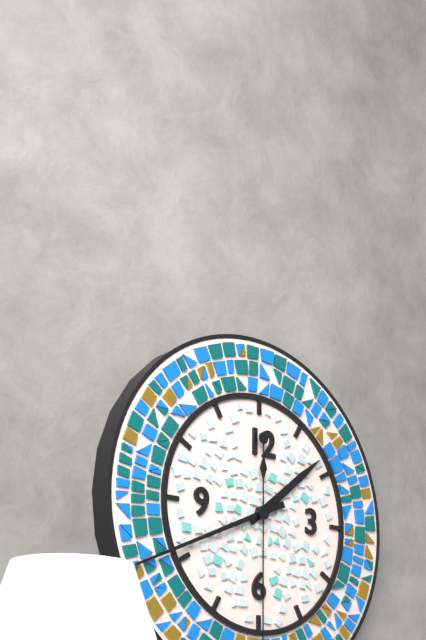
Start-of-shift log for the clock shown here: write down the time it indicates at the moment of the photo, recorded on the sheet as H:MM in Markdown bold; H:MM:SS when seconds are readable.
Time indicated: **1:41**
